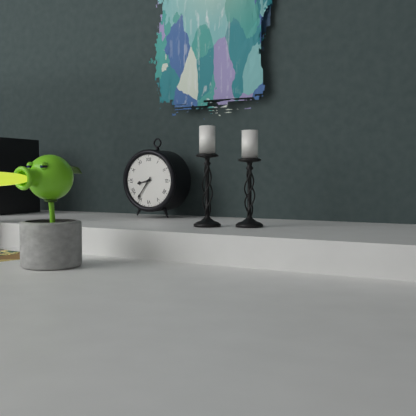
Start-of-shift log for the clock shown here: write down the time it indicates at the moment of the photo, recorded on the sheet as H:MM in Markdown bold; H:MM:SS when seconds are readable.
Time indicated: **8:36**
